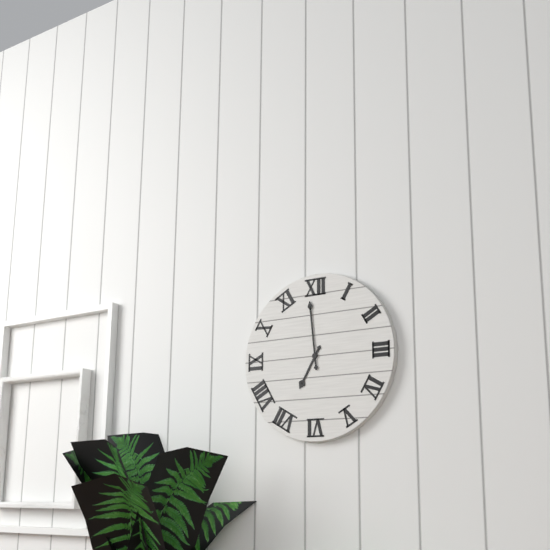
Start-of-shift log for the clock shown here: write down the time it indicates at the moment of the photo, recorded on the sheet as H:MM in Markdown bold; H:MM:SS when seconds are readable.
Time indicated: **6:59**
